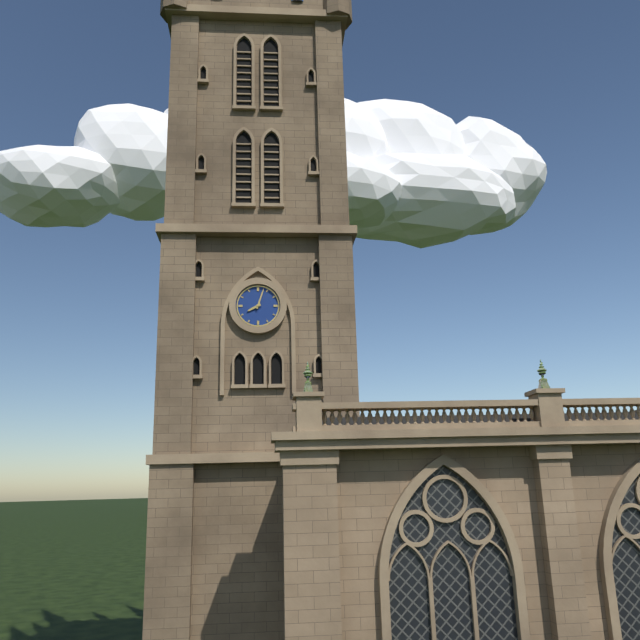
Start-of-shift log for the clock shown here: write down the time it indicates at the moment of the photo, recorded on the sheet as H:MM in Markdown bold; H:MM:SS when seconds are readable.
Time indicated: **8:03**
